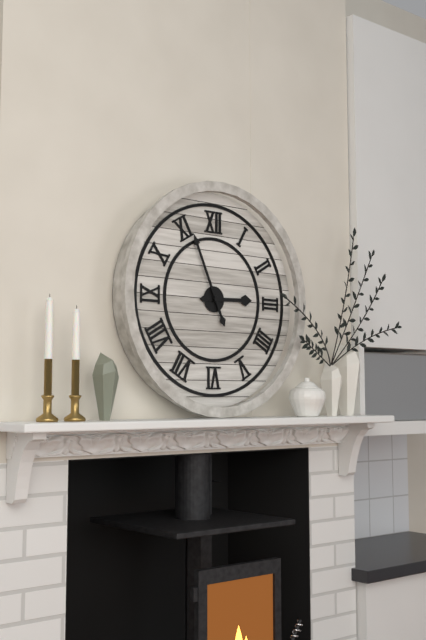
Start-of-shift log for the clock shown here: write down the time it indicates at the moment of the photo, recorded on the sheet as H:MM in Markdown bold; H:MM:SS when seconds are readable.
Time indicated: **2:56**
